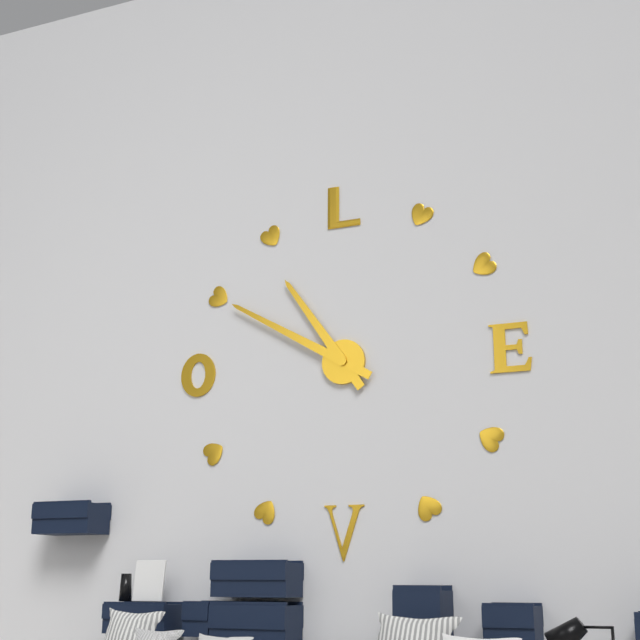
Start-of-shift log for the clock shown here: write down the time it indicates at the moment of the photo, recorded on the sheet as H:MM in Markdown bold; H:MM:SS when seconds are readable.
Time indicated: **10:50**
